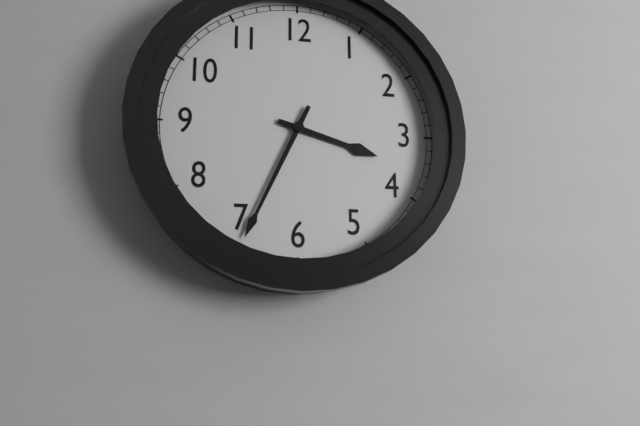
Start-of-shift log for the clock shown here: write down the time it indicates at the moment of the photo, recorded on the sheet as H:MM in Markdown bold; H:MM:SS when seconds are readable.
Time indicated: **3:34**
